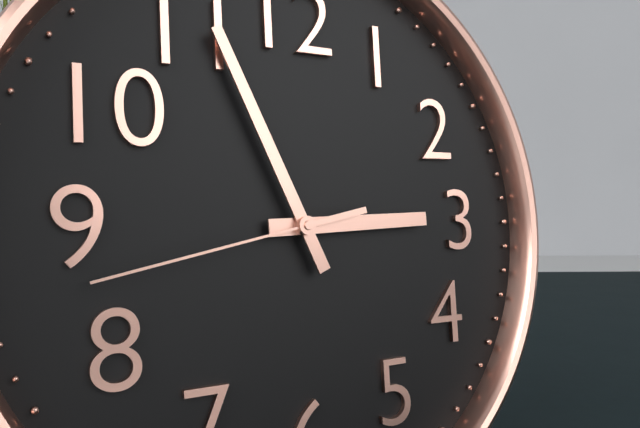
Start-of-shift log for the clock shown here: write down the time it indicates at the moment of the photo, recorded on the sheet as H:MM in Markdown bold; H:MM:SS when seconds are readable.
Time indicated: **2:56:43**
